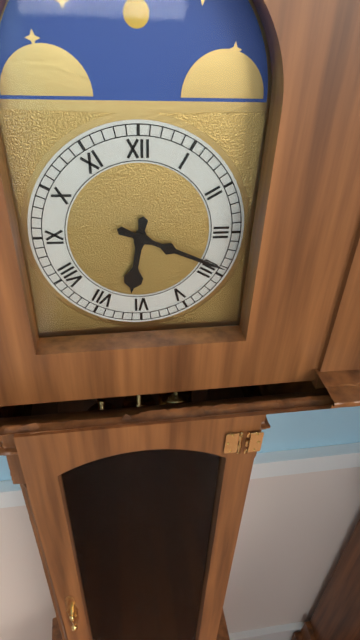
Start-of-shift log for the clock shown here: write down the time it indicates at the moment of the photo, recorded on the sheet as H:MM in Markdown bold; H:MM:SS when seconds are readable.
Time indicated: **6:19**
